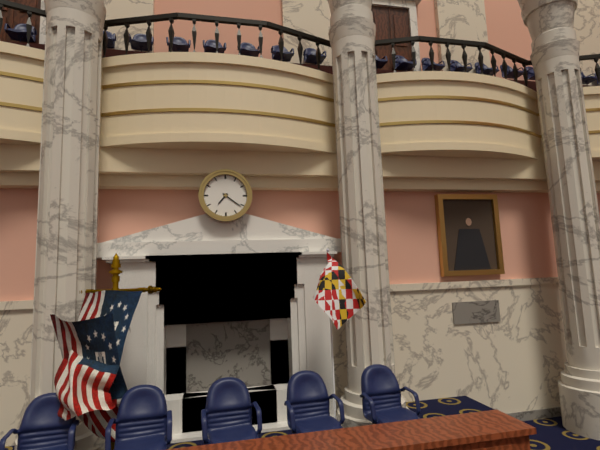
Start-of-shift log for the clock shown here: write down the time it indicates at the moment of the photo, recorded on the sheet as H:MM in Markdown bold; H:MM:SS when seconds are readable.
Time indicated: **7:21**
